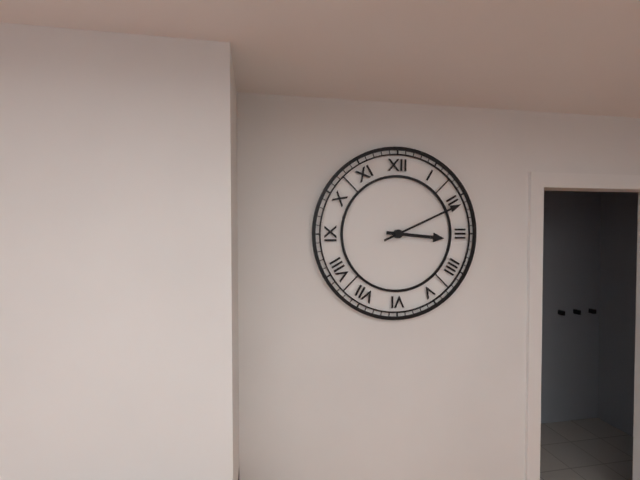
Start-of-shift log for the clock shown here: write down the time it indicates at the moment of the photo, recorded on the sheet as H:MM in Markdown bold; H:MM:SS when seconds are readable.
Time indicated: **3:11**
